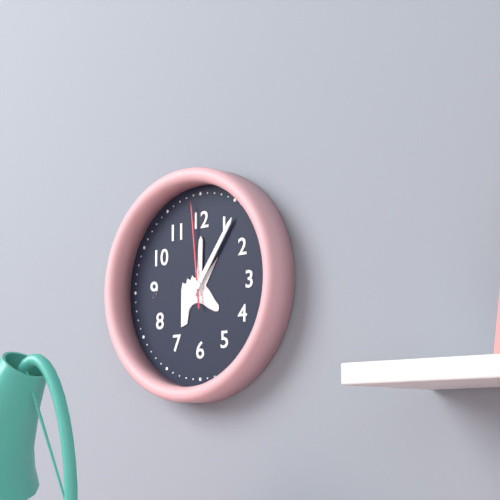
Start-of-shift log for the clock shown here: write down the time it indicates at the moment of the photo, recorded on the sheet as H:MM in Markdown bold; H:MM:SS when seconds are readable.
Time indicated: **12:06:59**
